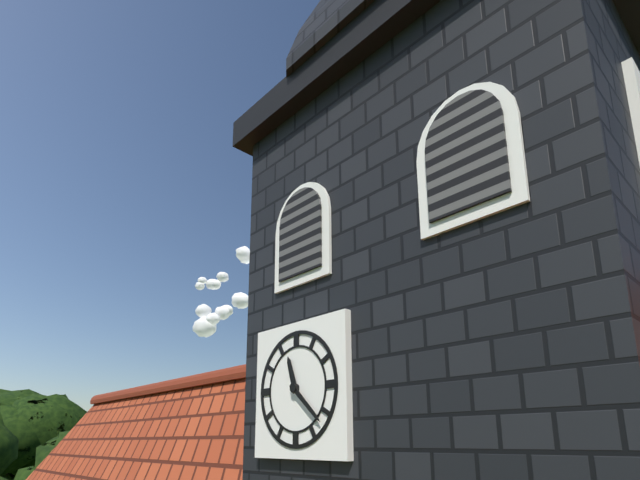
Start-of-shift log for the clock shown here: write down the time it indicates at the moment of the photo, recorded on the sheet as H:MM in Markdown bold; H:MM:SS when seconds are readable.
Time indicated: **11:22**
